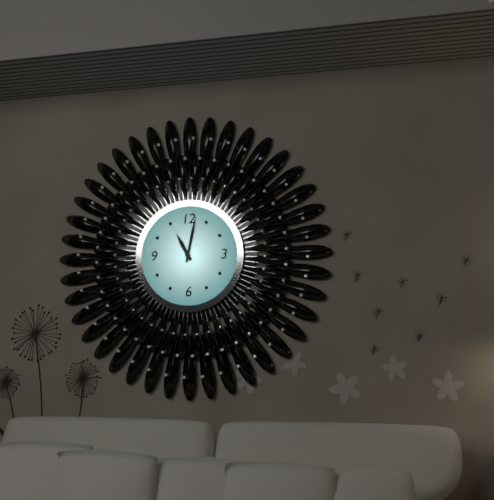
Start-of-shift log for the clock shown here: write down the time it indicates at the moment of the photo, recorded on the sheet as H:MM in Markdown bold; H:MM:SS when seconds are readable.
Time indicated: **11:02**
